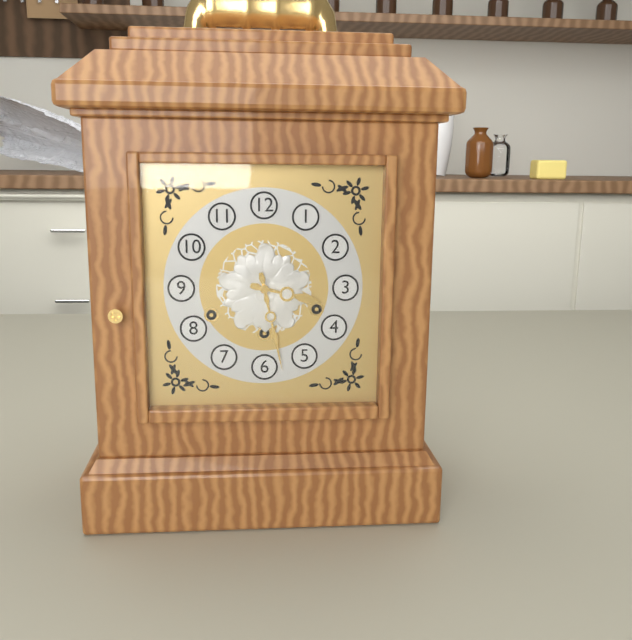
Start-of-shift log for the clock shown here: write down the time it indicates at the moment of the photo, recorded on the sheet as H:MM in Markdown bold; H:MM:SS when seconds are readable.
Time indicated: **3:28**
